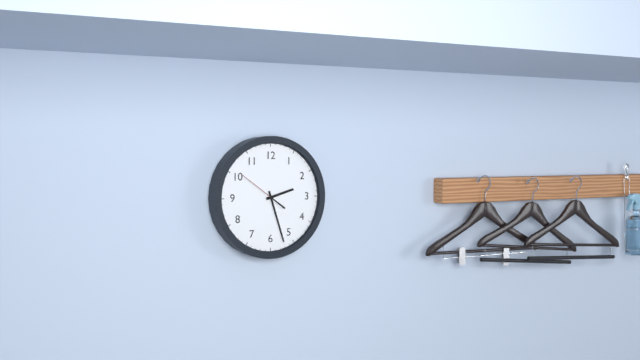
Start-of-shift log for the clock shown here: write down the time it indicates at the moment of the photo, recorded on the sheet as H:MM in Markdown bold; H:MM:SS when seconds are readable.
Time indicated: **2:27**
